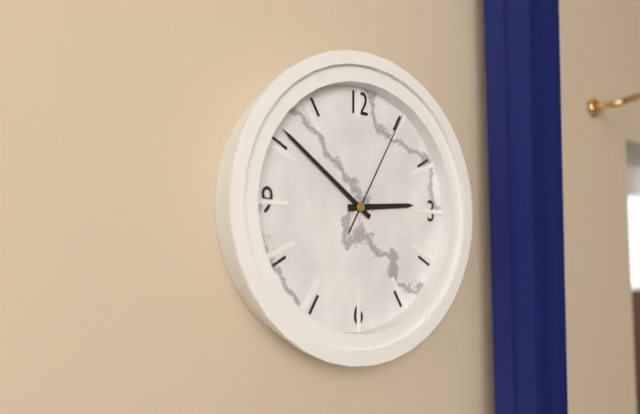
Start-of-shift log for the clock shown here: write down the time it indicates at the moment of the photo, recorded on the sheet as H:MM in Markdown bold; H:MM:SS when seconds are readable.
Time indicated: **2:51:05**
